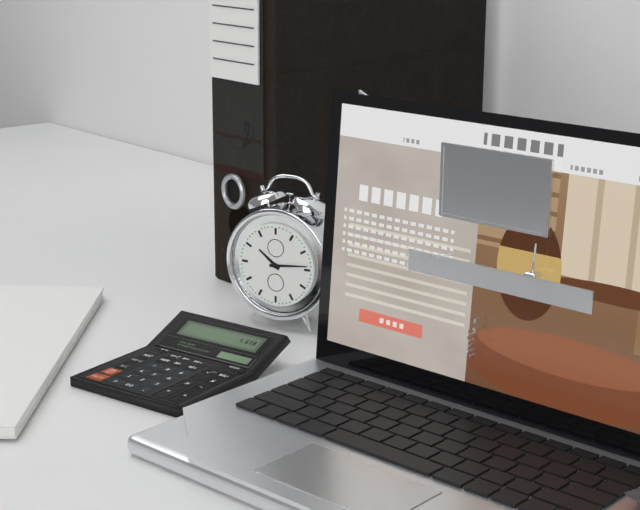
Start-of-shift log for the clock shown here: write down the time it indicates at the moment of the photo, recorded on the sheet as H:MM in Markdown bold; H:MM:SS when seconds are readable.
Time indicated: **10:14**
